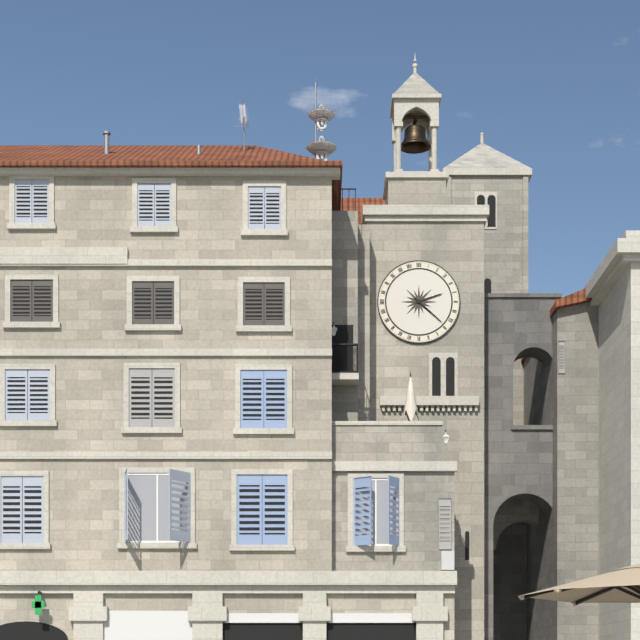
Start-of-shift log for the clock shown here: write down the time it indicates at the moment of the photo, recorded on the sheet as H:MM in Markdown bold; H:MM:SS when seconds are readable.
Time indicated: **2:22**
